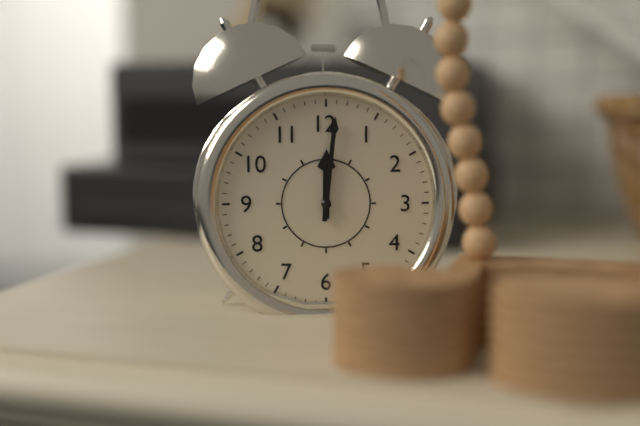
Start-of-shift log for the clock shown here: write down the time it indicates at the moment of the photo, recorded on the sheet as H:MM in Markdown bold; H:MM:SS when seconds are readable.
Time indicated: **12:01**
